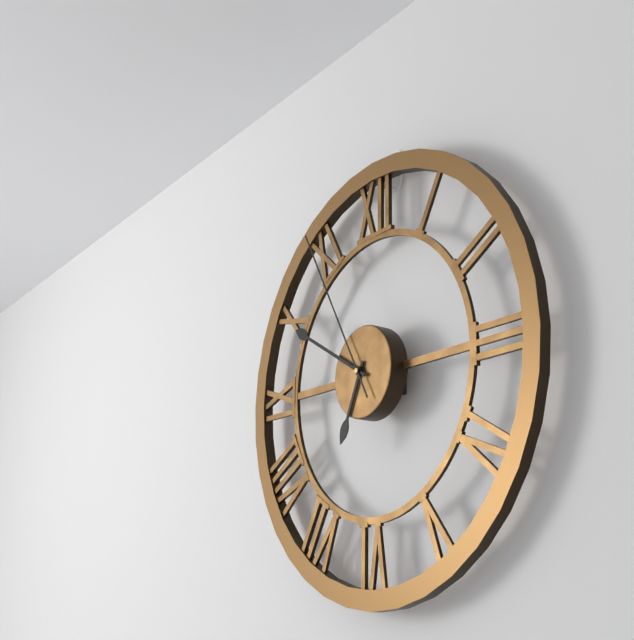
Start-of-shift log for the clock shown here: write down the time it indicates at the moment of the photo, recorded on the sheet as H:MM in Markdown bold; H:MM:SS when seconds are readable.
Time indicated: **6:50:55**
